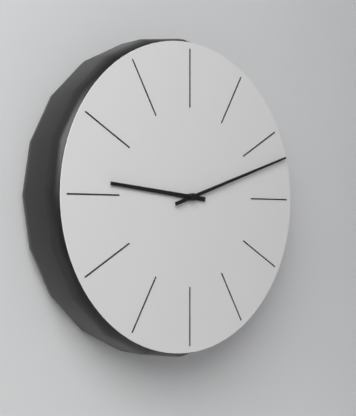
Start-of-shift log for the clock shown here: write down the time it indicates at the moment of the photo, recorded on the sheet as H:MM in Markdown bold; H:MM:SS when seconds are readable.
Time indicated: **9:12**
